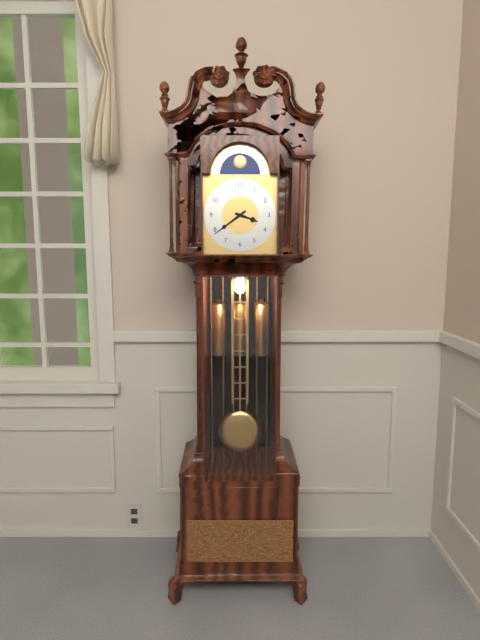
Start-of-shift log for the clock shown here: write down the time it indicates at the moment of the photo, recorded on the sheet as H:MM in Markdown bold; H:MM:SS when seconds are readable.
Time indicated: **3:39**
